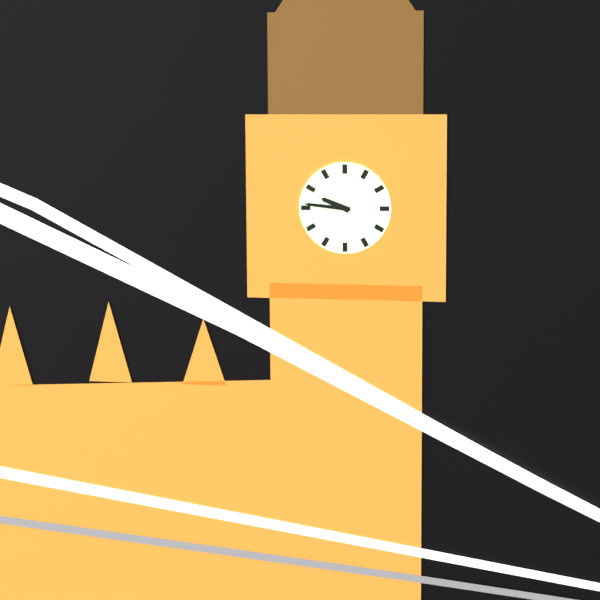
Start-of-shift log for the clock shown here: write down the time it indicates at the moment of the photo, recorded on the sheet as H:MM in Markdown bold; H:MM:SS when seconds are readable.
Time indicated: **9:46**
